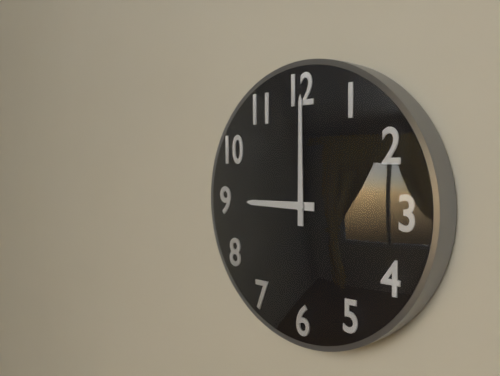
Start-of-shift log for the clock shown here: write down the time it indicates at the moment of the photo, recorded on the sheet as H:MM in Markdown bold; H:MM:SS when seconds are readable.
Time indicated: **9:00**
